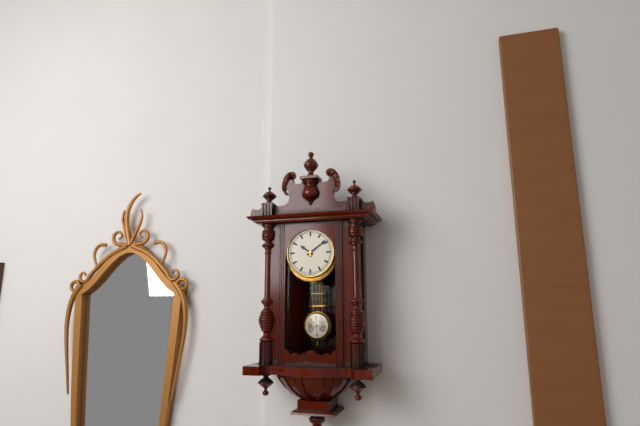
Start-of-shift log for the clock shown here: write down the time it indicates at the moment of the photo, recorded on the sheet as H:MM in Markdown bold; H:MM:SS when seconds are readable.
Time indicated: **10:09**
